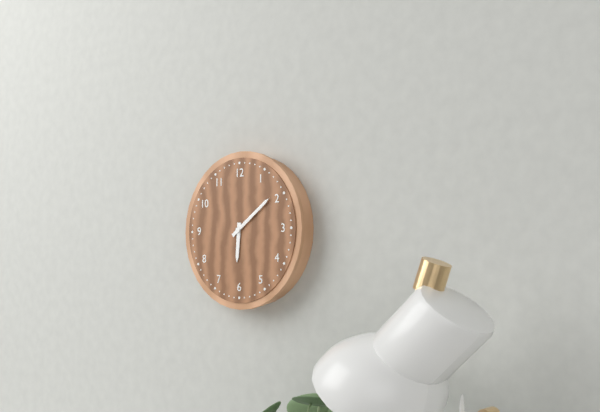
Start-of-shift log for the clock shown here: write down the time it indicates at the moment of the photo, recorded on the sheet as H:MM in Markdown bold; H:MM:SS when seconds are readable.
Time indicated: **6:09**
